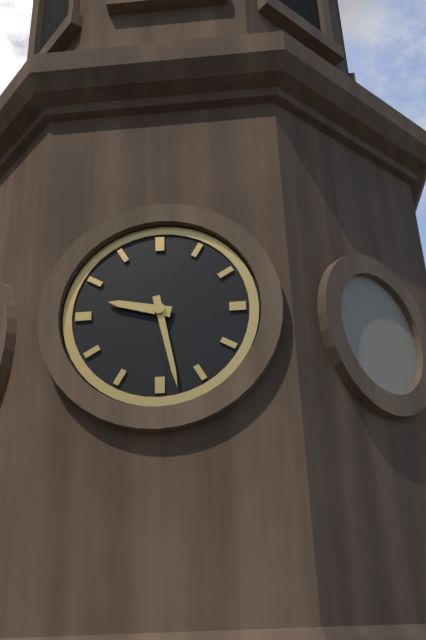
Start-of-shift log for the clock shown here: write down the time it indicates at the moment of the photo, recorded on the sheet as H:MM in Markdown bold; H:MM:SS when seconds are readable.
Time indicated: **9:28**
